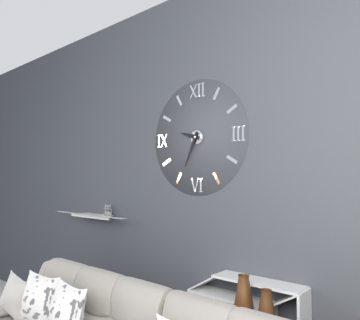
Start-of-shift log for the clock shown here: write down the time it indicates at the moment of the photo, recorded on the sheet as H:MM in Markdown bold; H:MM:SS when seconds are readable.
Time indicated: **9:34**
